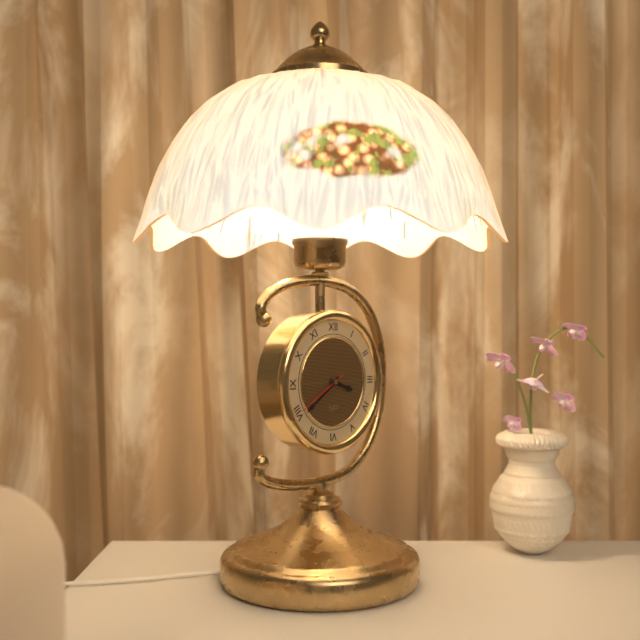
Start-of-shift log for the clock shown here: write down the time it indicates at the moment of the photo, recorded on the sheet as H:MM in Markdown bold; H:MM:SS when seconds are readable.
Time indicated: **3:39:40**
